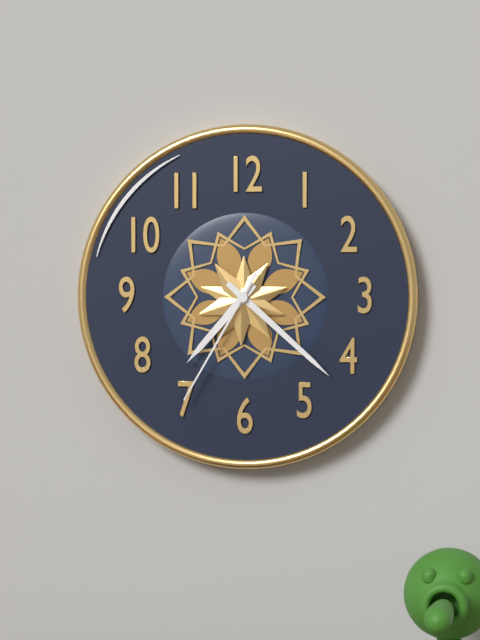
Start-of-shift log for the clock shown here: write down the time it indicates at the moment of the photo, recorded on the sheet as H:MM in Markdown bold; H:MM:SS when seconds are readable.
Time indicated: **7:22:35**
